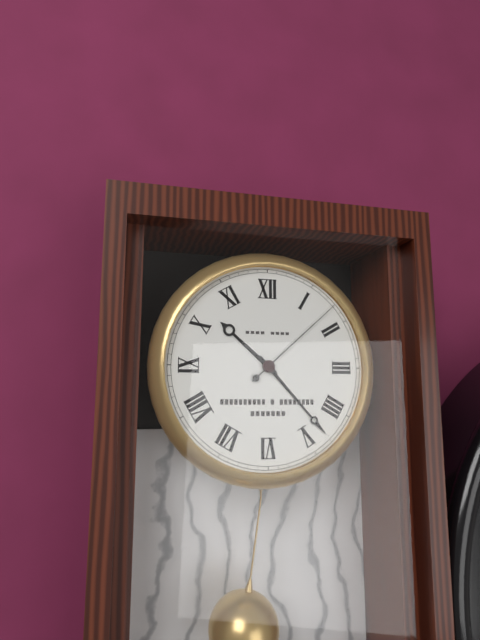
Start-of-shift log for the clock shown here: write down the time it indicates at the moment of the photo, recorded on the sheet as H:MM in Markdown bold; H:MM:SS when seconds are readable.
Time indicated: **10:23:08**
